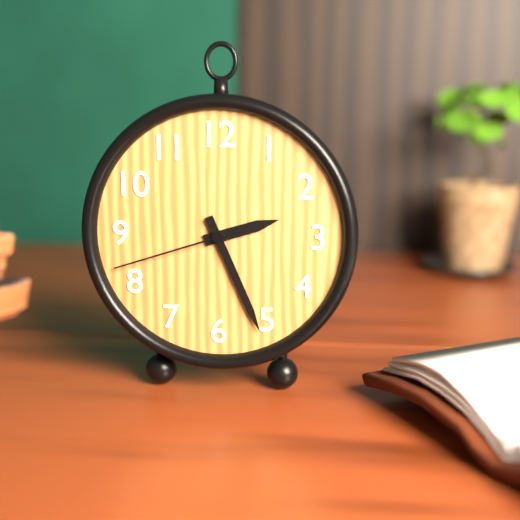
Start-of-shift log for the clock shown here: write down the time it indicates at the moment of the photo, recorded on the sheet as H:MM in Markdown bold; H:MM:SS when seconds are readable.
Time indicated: **2:26:42**
